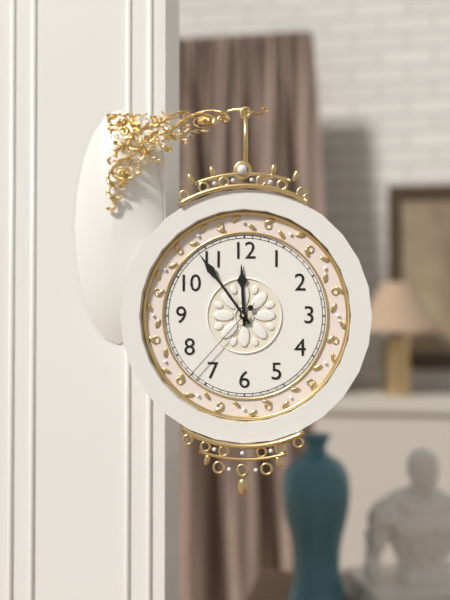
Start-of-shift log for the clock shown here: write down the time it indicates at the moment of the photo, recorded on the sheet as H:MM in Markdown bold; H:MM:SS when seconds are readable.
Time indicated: **11:54:37**
